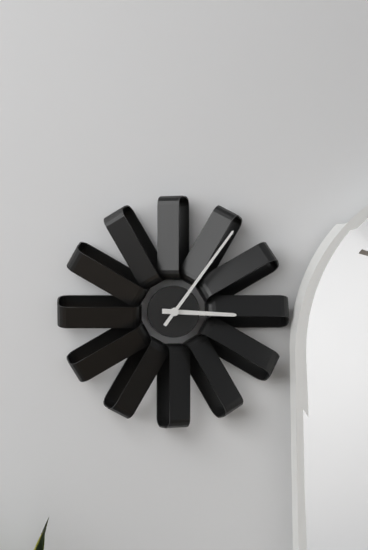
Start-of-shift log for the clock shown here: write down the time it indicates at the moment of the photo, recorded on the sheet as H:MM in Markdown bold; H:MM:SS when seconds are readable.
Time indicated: **3:06**
